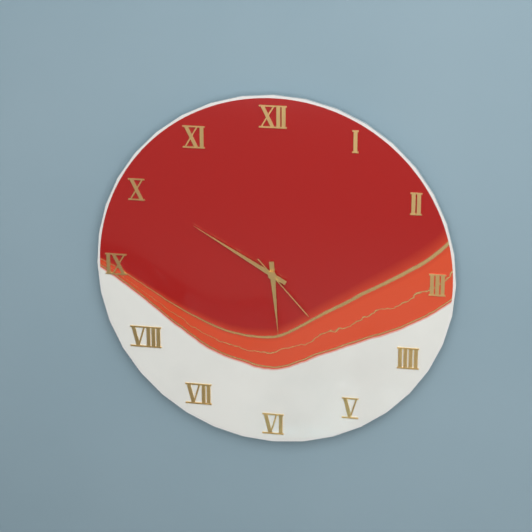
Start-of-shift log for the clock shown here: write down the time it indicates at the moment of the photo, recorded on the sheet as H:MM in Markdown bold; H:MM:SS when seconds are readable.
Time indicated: **5:50:23**
